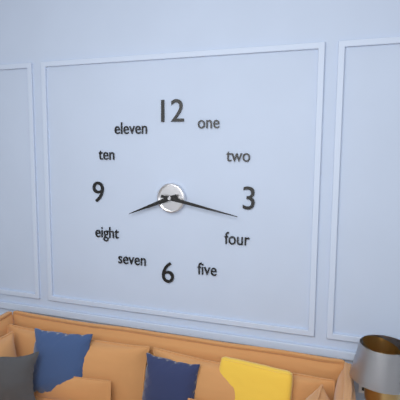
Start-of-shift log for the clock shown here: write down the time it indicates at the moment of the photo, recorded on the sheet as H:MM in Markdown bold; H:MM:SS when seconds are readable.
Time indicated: **8:17**
